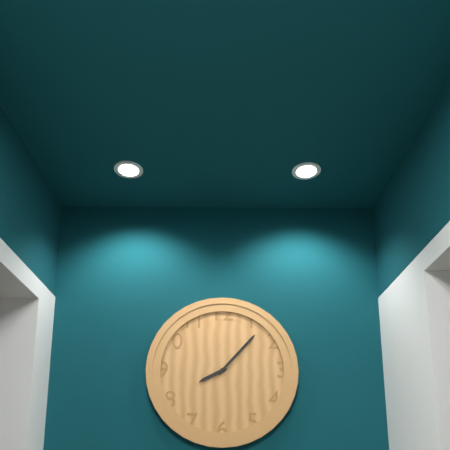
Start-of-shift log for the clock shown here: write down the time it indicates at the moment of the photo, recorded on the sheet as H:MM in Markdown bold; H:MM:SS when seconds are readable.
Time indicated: **8:07**
